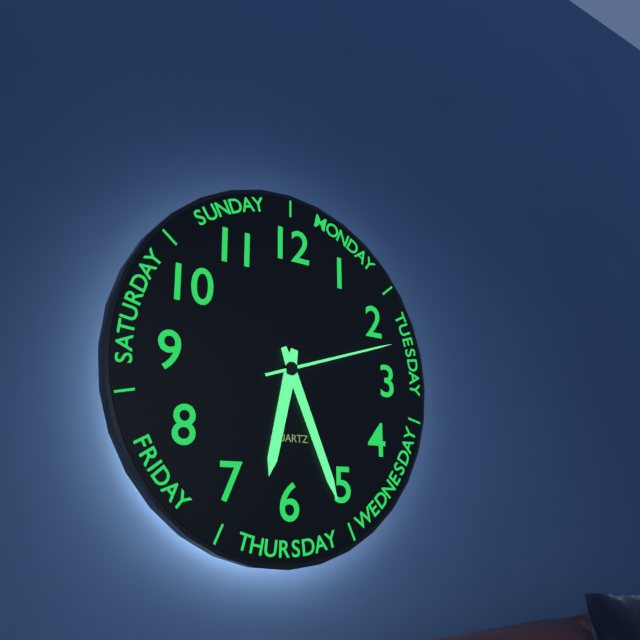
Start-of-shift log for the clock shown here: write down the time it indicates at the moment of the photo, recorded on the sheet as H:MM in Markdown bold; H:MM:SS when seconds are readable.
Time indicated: **6:26:12**
